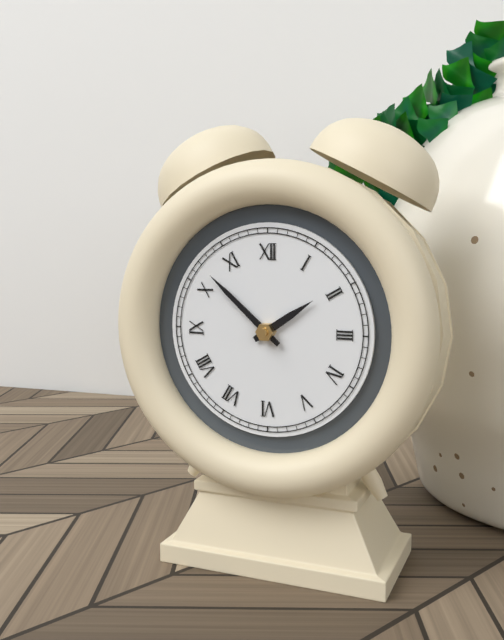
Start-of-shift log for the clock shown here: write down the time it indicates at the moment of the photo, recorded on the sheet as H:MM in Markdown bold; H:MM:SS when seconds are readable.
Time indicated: **1:52**
